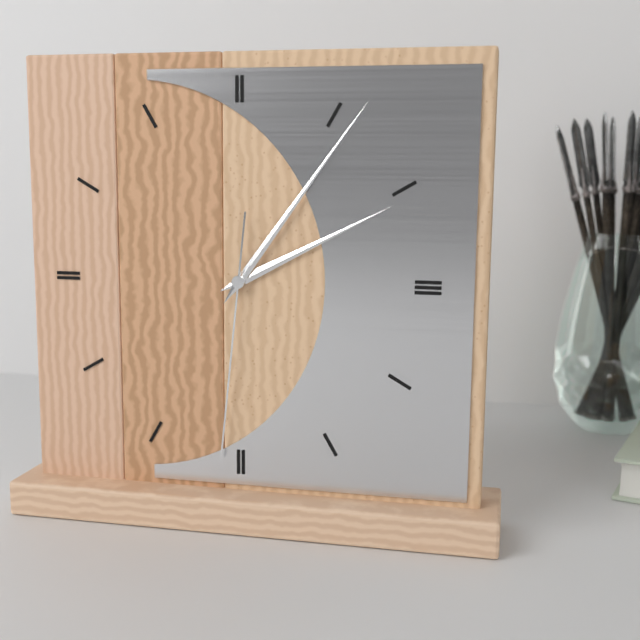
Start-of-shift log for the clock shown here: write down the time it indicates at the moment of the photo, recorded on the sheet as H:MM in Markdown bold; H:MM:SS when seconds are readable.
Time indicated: **2:06:31**
